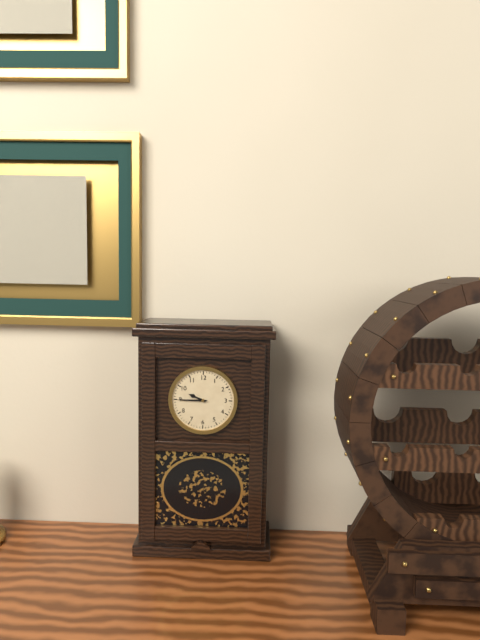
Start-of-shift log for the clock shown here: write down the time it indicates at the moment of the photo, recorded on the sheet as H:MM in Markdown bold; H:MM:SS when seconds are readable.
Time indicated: **9:45**
